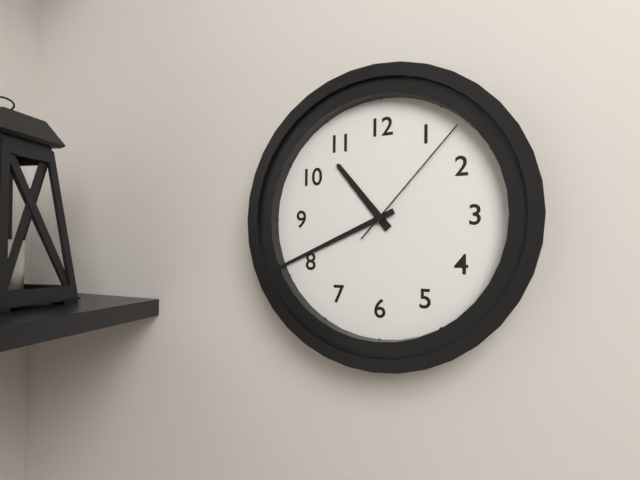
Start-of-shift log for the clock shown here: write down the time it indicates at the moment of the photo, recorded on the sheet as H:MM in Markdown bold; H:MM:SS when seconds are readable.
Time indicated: **10:41:07**
